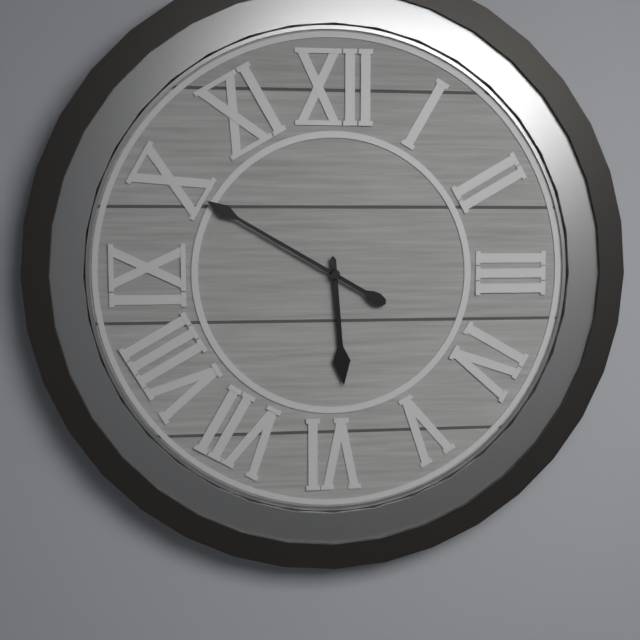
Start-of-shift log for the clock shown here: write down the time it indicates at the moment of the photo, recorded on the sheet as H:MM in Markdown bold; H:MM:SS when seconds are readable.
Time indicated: **5:50**
